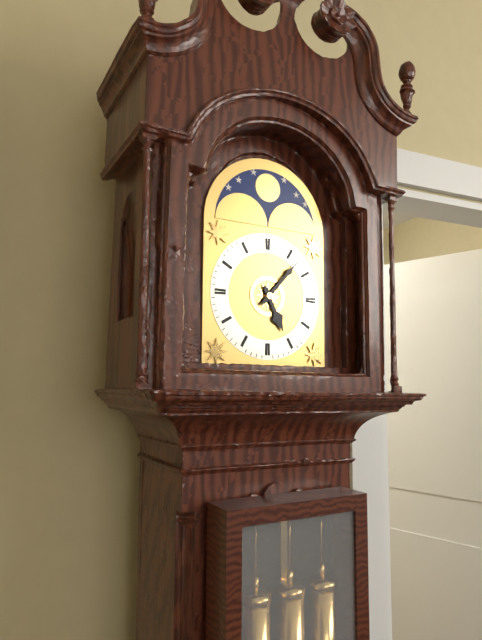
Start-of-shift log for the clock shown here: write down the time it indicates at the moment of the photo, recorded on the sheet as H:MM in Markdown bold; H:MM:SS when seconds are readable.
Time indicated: **5:07**
